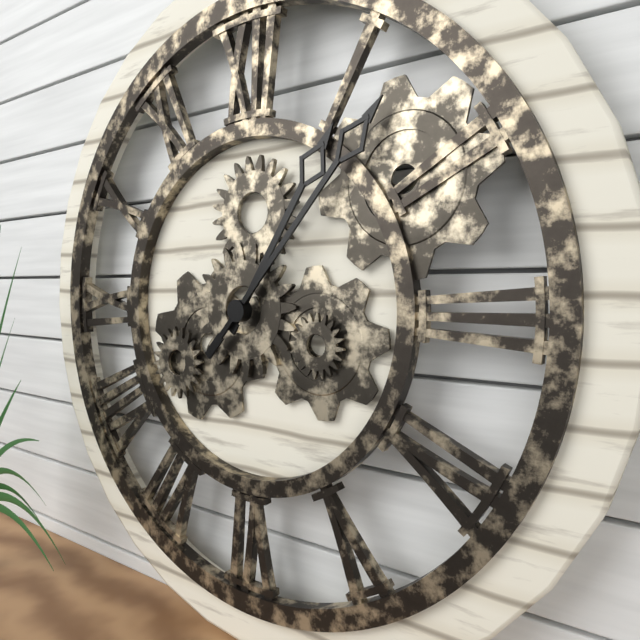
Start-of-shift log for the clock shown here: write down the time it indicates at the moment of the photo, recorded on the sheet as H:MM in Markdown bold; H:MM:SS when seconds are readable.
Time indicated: **1:07**
